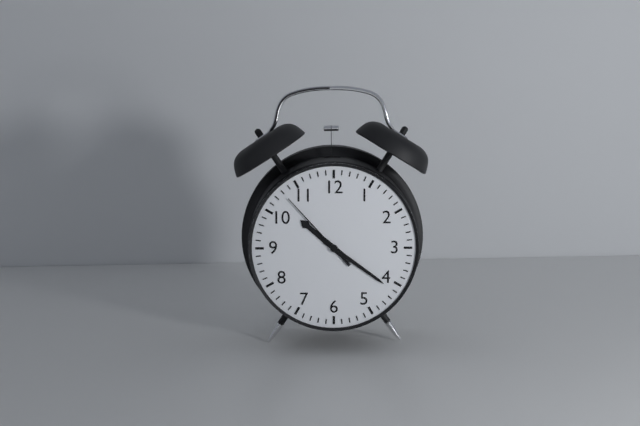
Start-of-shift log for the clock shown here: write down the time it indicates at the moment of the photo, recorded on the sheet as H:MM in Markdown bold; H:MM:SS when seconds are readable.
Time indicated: **10:21:53**
